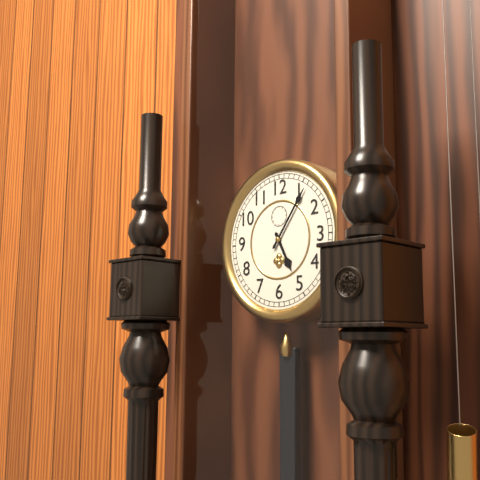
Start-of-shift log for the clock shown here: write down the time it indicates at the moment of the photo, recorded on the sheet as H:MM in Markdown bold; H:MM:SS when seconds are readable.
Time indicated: **5:06**
